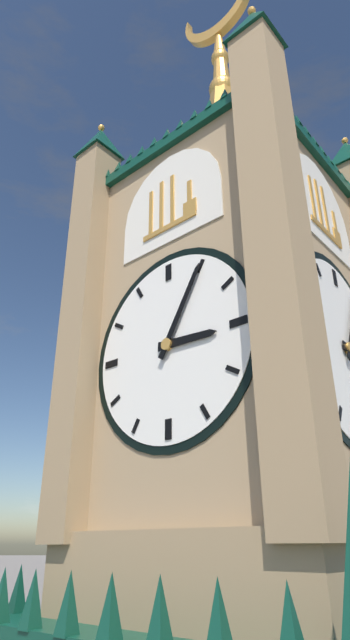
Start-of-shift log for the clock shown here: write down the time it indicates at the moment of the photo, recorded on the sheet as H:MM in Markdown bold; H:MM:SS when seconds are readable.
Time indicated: **3:05**
